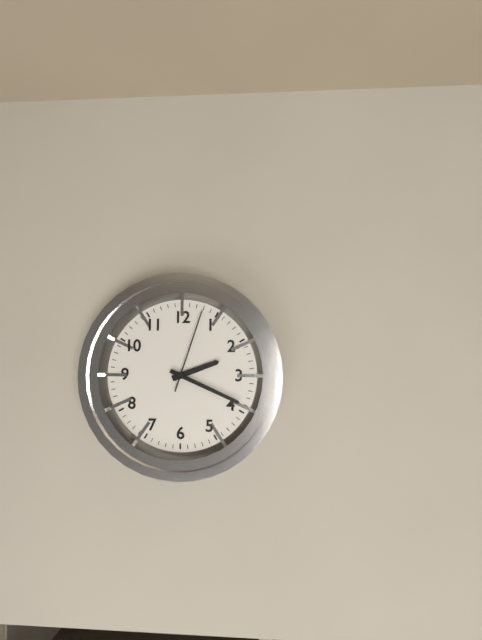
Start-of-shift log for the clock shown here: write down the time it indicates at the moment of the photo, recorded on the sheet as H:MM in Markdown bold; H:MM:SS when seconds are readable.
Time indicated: **2:19:03**
